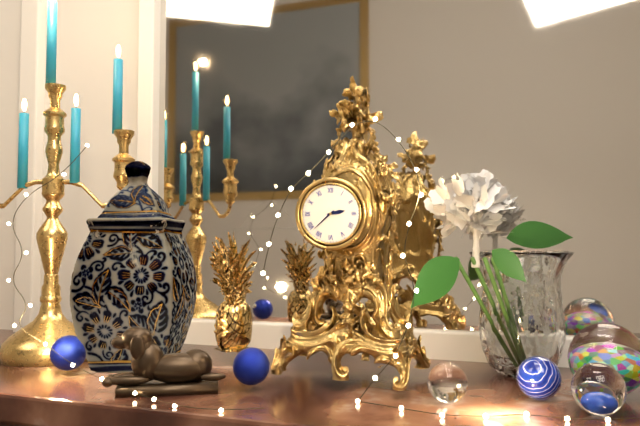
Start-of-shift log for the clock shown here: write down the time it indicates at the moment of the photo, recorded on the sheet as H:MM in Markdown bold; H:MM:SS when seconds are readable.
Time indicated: **2:38**
